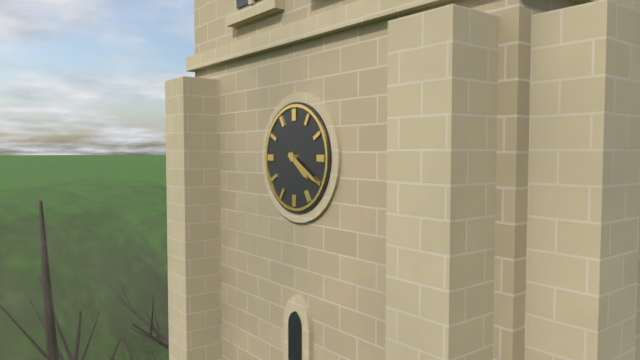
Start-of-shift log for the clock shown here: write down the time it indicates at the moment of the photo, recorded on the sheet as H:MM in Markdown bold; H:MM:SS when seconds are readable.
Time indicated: **4:20**
